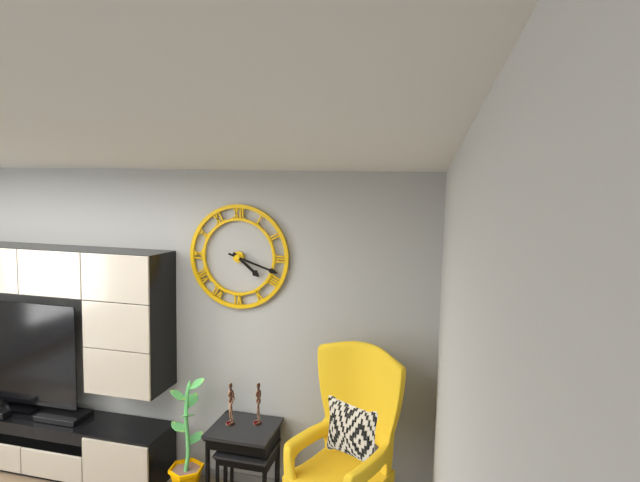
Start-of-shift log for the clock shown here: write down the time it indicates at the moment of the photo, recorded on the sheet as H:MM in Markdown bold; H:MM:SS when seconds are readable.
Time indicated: **4:18**
